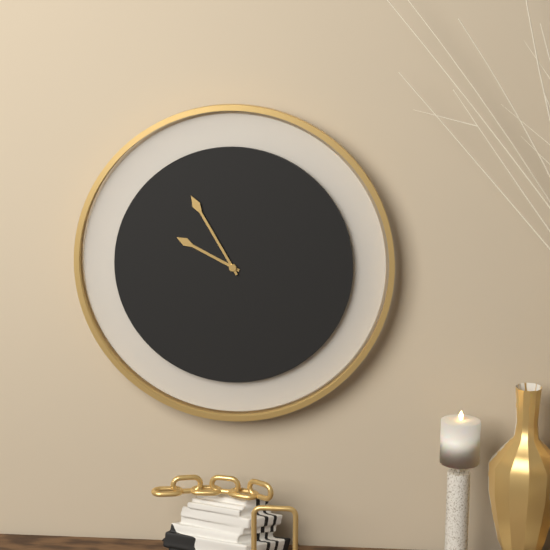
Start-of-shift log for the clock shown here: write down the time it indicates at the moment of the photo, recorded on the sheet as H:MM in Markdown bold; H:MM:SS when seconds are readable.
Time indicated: **9:55**
